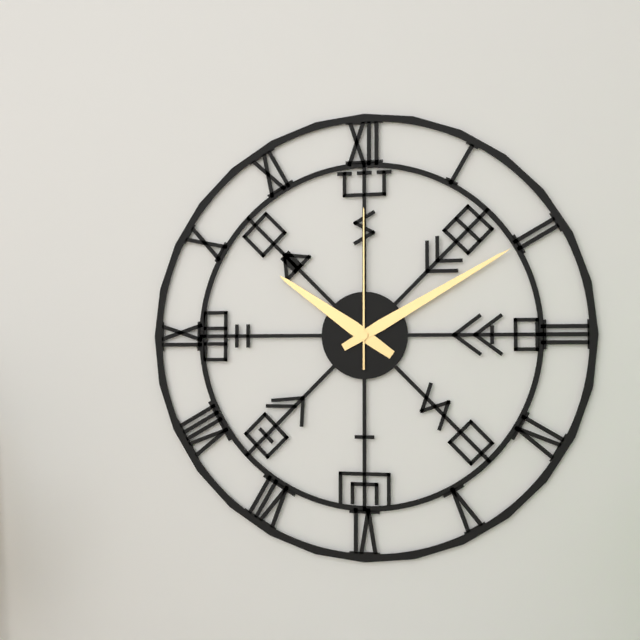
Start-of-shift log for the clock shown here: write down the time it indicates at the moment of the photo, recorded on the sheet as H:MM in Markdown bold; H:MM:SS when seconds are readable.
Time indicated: **10:10:00**
